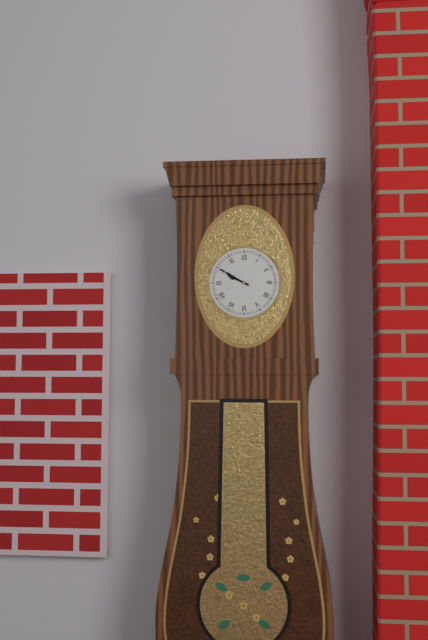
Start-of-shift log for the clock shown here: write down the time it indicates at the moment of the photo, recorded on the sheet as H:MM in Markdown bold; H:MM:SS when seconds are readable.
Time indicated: **9:50**
